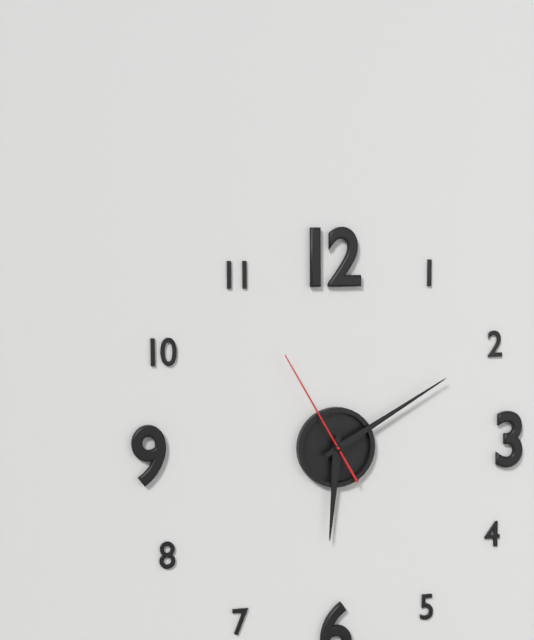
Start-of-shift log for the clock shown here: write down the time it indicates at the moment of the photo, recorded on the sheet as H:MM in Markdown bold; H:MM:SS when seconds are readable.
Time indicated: **6:10:55**
